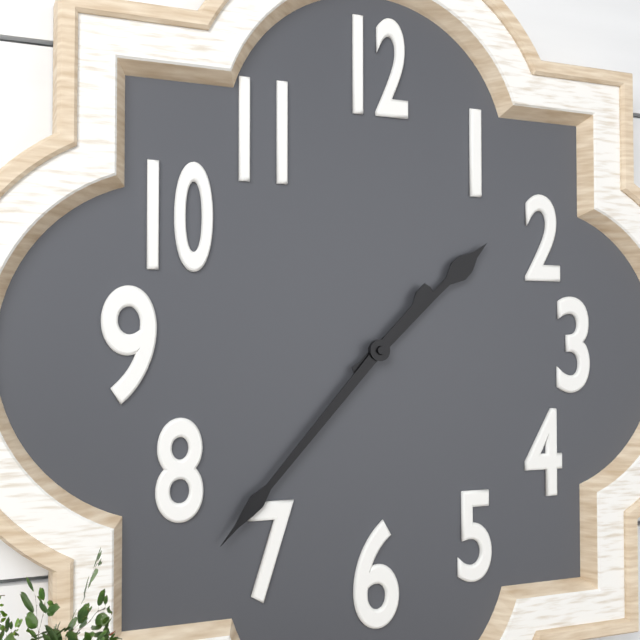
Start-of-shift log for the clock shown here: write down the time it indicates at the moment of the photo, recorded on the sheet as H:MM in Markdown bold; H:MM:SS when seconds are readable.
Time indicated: **1:37**
